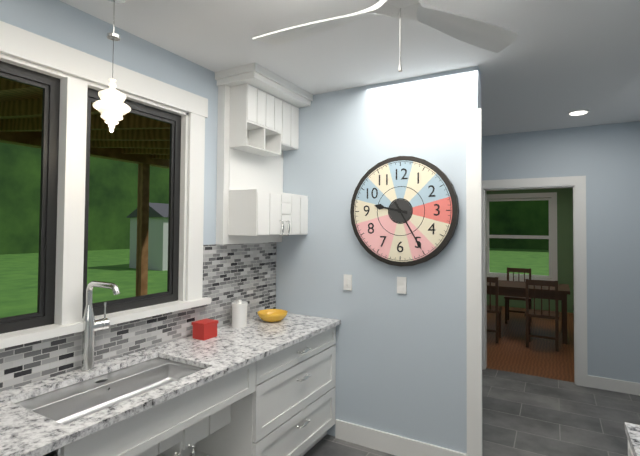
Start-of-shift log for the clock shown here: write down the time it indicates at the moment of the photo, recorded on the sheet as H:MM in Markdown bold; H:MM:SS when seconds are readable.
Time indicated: **9:25**
